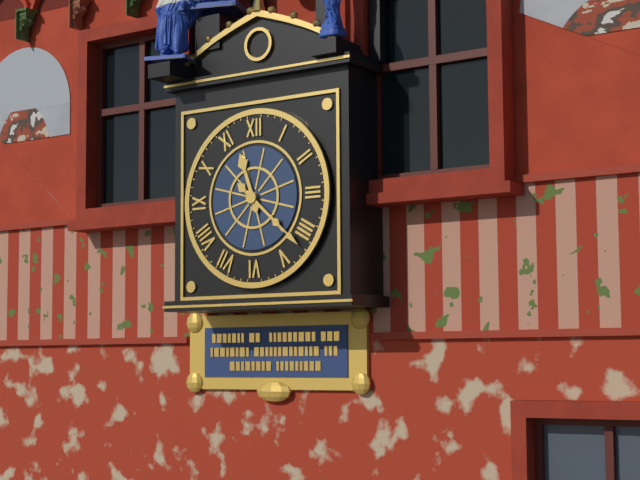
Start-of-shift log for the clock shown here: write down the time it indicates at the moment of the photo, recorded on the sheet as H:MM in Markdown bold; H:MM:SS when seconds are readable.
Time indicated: **11:22**
